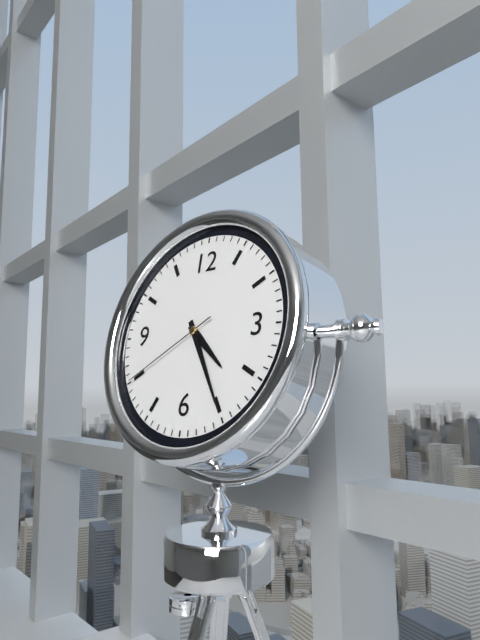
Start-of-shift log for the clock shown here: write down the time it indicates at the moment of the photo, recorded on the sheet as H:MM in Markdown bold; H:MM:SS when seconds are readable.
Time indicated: **4:25:40**
